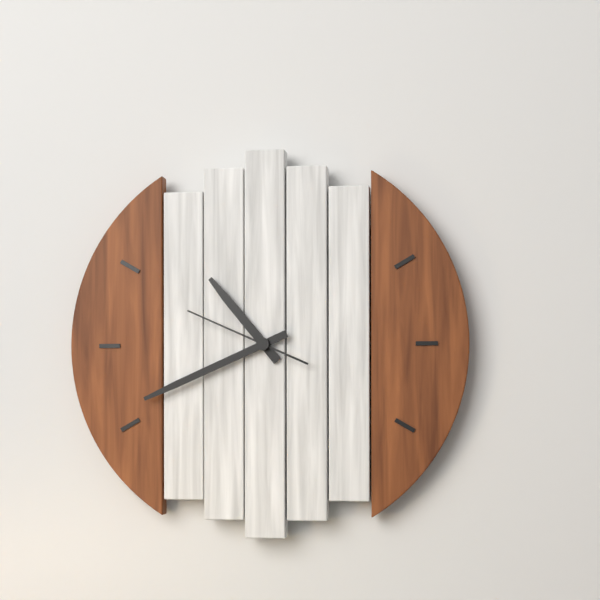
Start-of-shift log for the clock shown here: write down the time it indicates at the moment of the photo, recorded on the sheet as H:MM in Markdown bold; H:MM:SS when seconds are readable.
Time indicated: **10:41:49**
